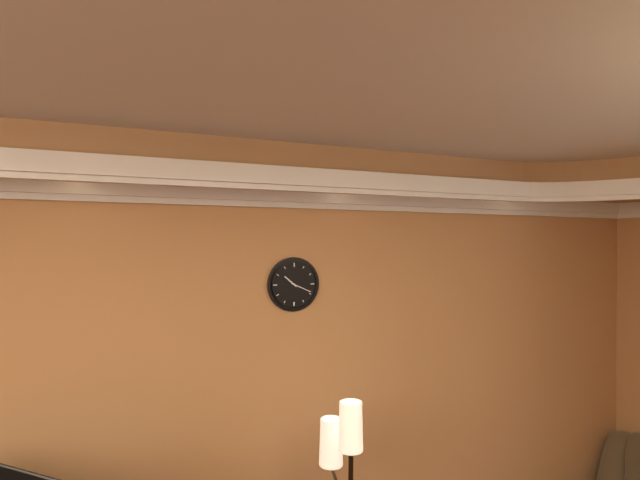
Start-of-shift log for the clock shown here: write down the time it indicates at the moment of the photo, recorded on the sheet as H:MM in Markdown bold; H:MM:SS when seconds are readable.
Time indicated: **10:19**
